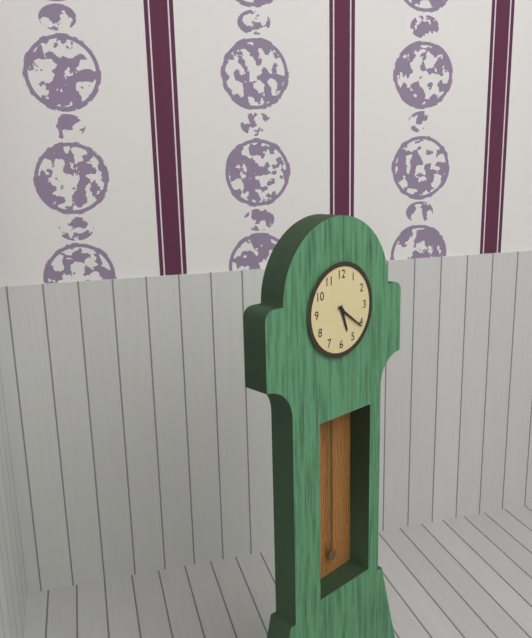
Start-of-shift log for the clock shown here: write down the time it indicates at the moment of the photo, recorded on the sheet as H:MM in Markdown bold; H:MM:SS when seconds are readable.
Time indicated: **5:21**
